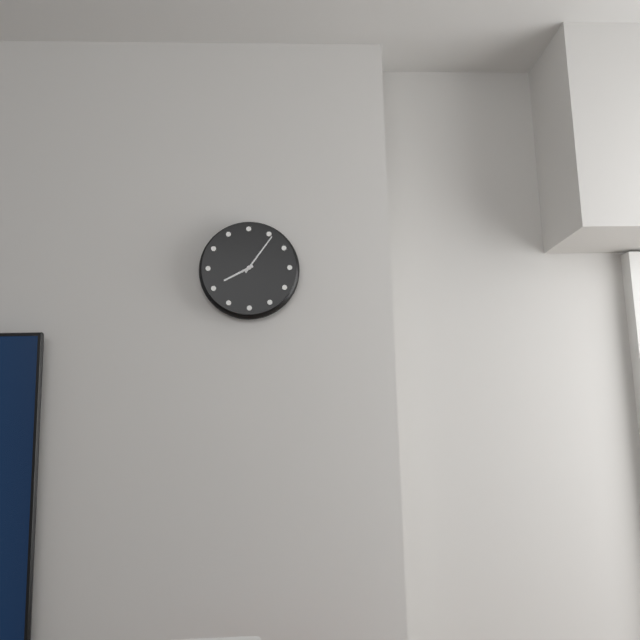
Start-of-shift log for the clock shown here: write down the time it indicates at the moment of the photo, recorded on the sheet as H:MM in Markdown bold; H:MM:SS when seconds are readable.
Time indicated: **8:06**
